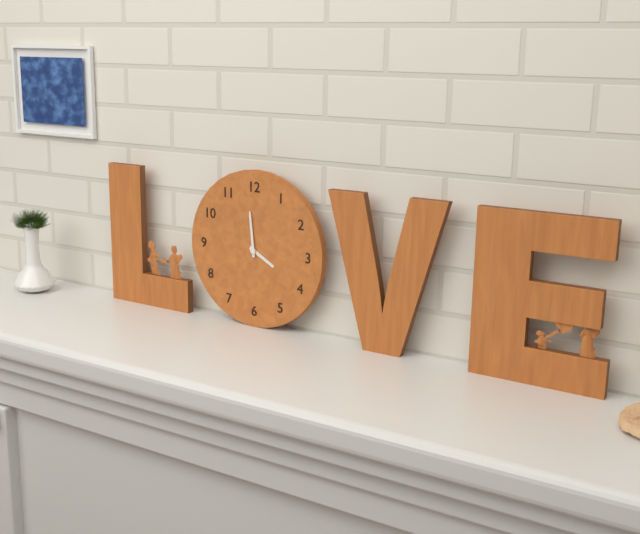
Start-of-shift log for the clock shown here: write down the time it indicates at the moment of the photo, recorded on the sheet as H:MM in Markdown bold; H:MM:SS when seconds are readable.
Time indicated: **3:59**
